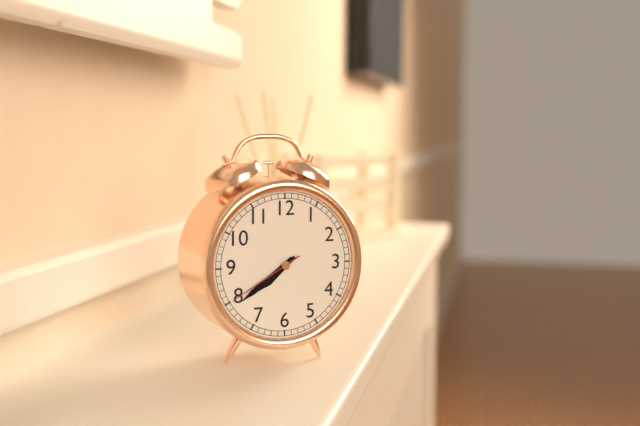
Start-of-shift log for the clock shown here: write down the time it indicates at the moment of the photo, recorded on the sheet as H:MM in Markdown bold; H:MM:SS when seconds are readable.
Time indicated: **7:39:40**
